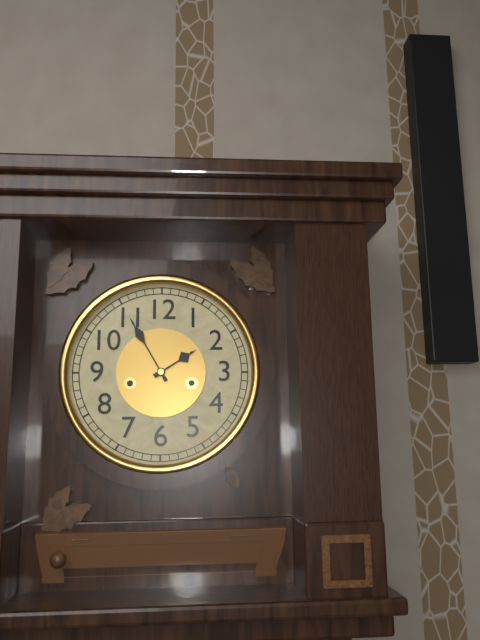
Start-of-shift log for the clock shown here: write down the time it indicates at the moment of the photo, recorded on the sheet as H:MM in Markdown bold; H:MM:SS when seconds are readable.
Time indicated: **1:55**
